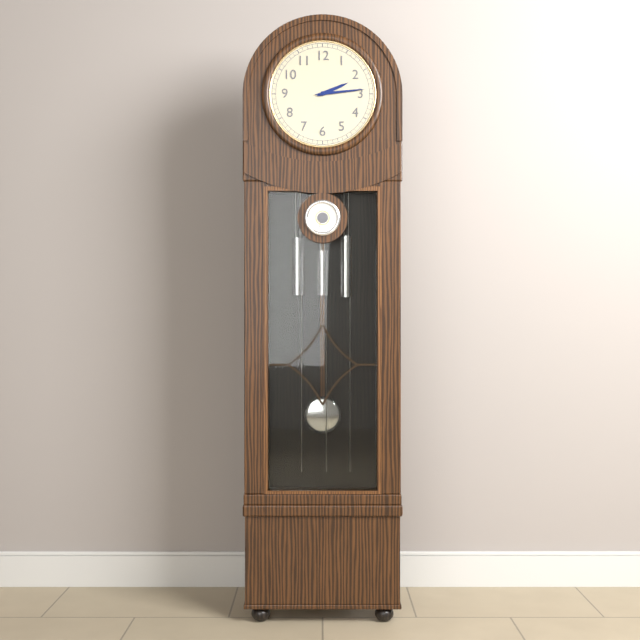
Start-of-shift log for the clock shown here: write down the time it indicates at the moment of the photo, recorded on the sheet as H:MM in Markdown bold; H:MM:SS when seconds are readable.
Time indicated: **2:14**
